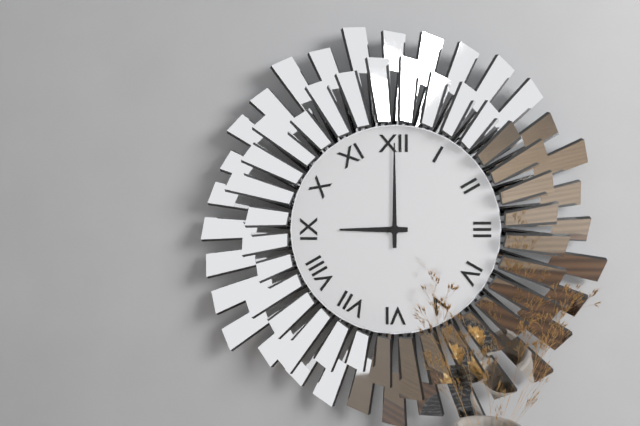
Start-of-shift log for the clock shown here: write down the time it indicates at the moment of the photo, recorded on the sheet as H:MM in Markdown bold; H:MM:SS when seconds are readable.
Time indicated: **9:00**
